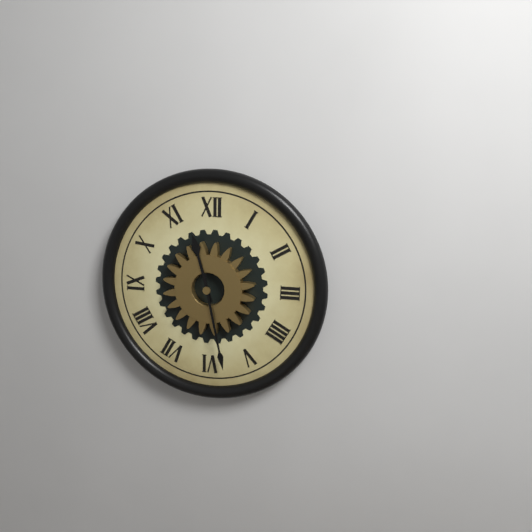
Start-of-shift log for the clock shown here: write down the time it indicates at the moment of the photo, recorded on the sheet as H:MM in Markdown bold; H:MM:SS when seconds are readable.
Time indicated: **11:28**
